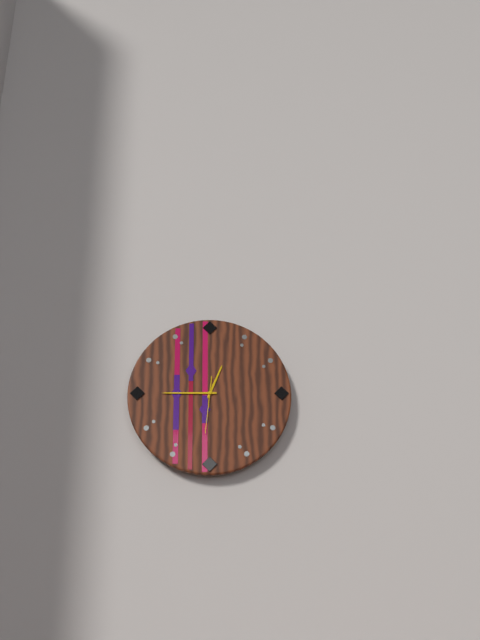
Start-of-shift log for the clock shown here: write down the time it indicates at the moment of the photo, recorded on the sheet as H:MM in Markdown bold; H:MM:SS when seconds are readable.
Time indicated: **12:45**
